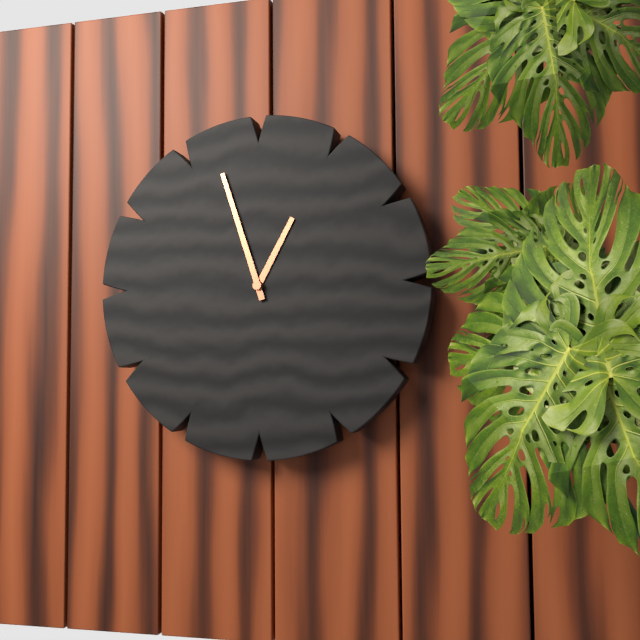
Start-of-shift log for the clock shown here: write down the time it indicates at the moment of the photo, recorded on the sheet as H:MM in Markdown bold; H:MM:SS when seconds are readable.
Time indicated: **12:57**
